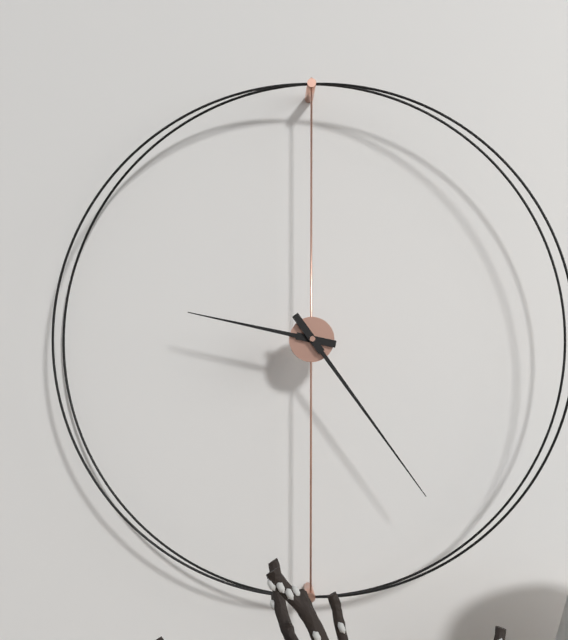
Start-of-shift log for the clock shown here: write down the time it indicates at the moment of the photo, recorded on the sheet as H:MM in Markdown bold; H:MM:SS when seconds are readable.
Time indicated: **9:24**
